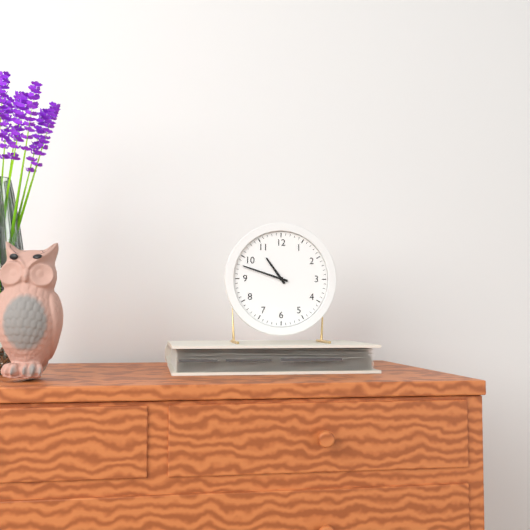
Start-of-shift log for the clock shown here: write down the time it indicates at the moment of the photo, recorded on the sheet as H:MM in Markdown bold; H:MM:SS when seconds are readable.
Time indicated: **10:48**
